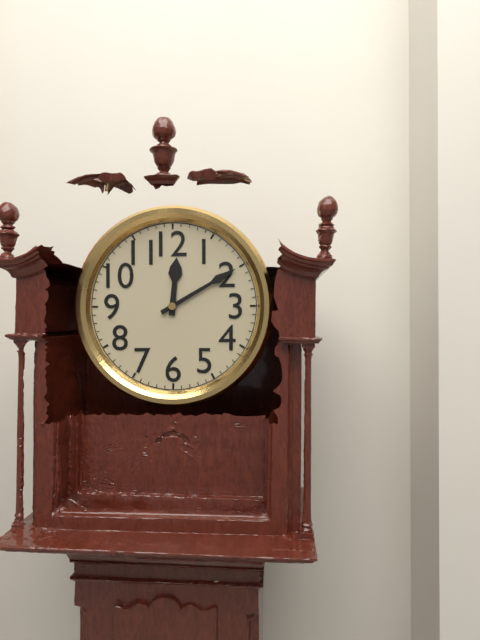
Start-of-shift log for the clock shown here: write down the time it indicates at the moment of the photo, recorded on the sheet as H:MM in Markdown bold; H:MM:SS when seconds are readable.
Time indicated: **12:10**
